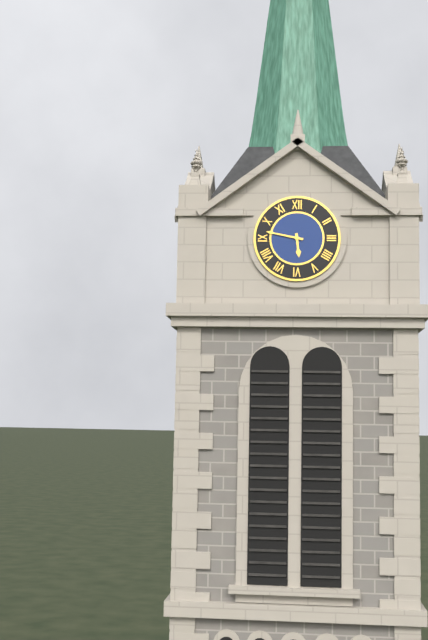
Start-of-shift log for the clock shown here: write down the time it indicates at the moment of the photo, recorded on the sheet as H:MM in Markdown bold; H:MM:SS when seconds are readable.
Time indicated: **5:47**
